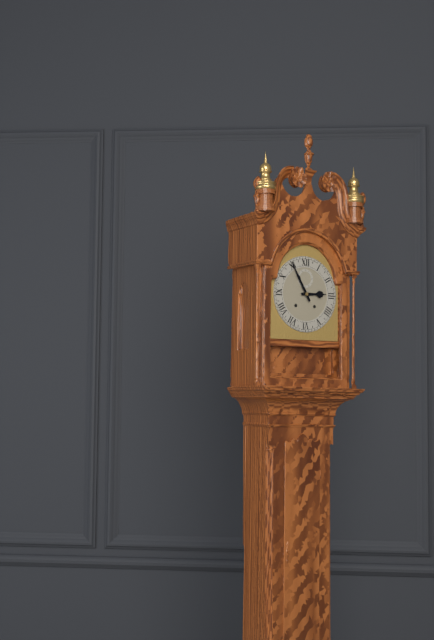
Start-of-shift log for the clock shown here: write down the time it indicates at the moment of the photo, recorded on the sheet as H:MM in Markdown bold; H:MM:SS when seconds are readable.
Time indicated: **2:55**
